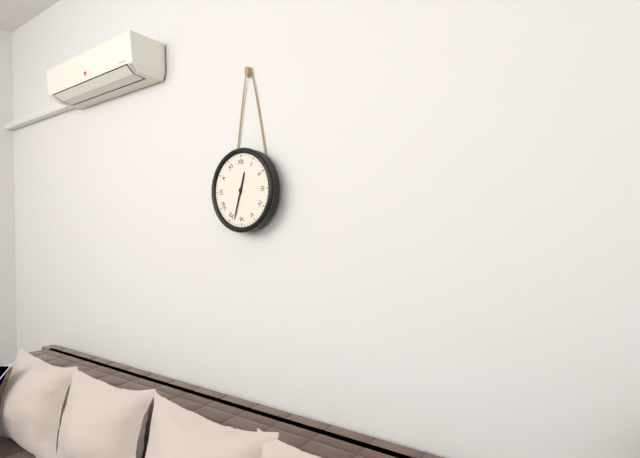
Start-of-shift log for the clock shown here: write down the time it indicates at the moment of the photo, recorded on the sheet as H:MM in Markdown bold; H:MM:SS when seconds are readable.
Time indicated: **12:33**
